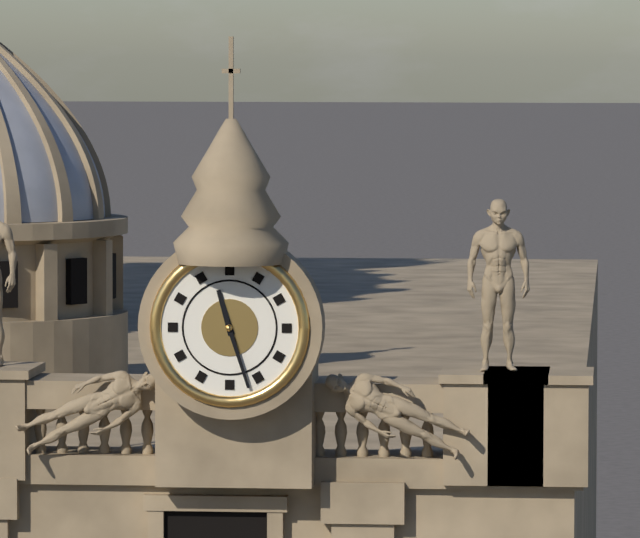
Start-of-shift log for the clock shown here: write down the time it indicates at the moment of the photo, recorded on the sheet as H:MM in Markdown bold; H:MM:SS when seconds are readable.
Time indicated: **11:27**
